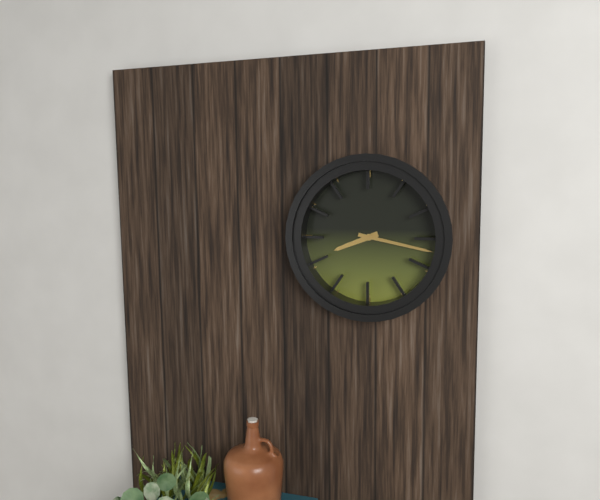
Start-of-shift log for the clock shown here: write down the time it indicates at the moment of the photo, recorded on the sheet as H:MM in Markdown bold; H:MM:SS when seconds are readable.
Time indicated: **8:17**
